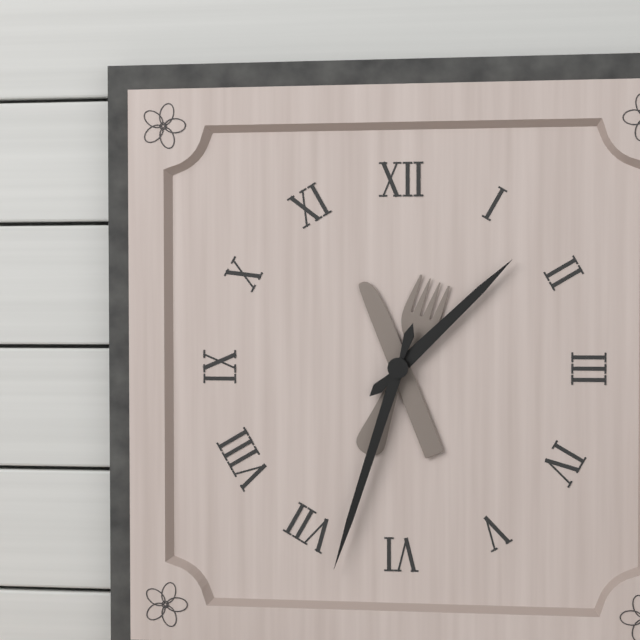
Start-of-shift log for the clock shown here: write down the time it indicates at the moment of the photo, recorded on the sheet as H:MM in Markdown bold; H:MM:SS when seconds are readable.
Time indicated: **1:33**
